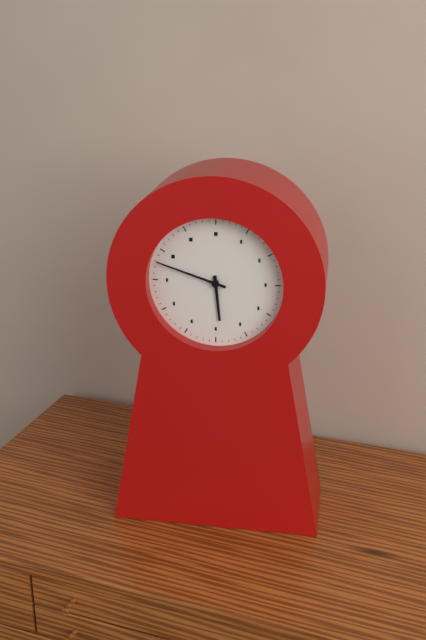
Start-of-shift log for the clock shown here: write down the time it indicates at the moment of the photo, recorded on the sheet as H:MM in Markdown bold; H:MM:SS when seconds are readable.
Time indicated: **5:48**
